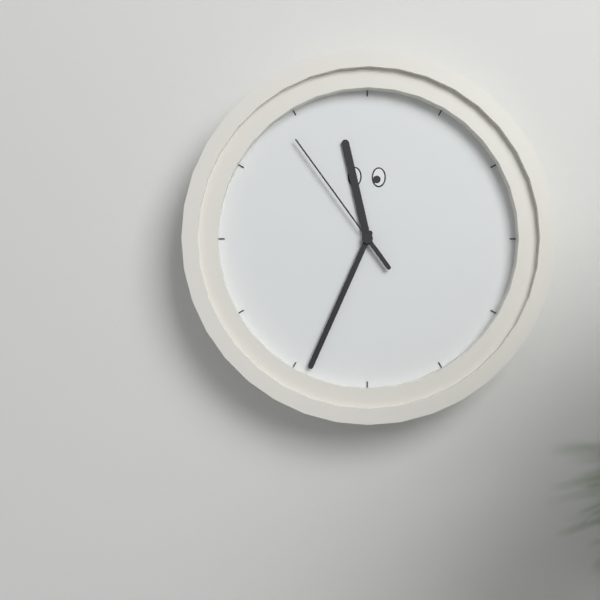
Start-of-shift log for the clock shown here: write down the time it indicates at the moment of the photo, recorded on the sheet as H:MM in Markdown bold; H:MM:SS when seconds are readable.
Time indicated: **11:34:54**
